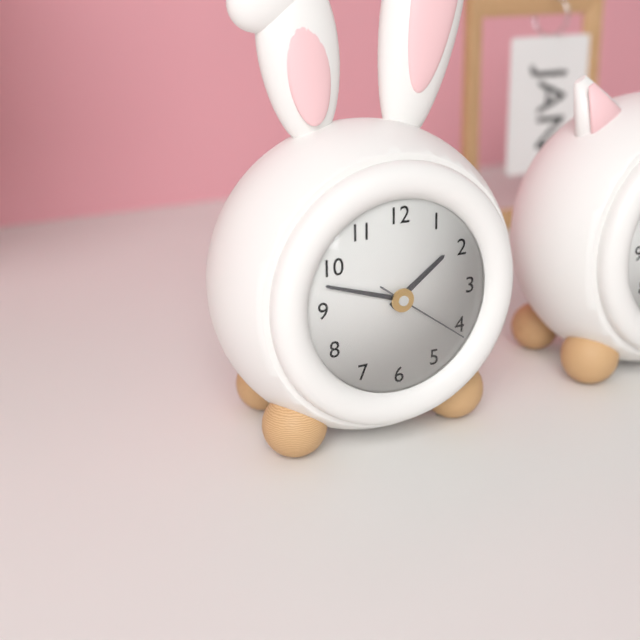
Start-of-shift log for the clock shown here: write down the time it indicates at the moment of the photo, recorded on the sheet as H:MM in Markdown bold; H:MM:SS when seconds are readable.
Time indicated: **1:48:21**
